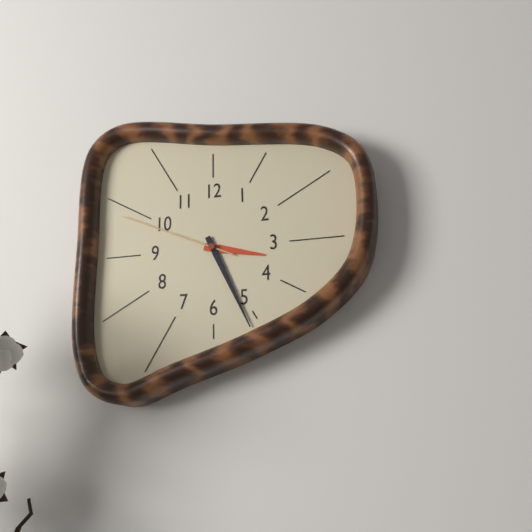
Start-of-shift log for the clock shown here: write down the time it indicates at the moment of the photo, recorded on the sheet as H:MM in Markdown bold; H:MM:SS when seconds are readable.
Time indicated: **3:26:49**
